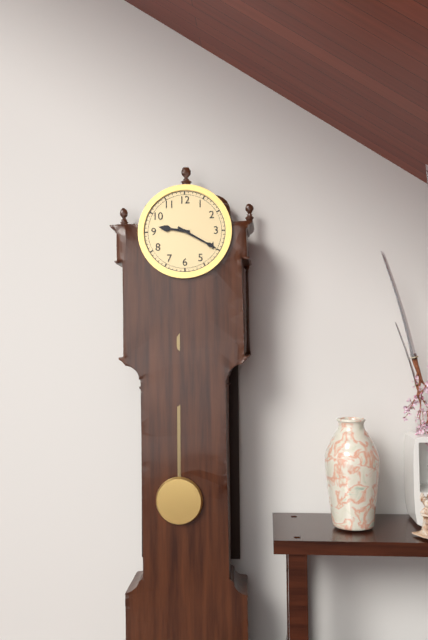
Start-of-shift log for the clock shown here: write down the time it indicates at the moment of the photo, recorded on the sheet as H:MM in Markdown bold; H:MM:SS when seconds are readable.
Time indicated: **9:20**
